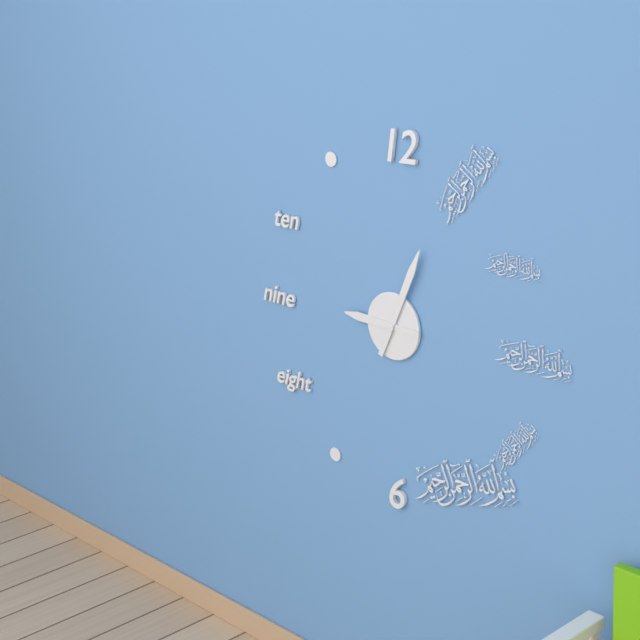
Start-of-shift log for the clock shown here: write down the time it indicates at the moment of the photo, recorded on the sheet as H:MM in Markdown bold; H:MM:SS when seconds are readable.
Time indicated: **9:04**
